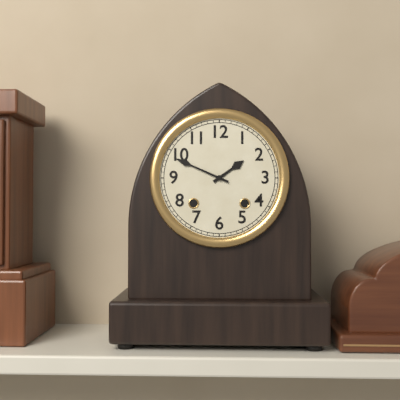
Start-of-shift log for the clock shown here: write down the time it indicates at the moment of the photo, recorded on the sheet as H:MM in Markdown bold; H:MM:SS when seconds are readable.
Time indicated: **1:49**
